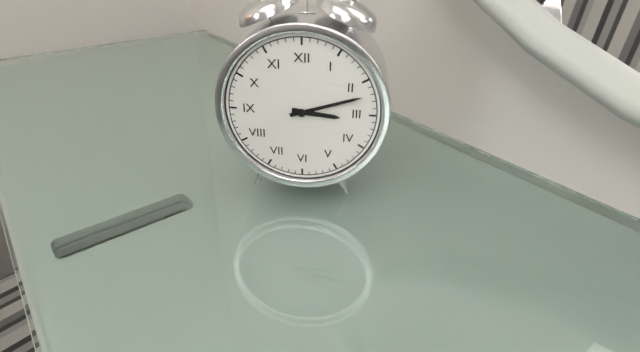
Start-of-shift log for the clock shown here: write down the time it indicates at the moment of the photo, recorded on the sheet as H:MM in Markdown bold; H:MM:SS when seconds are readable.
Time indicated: **3:12**
